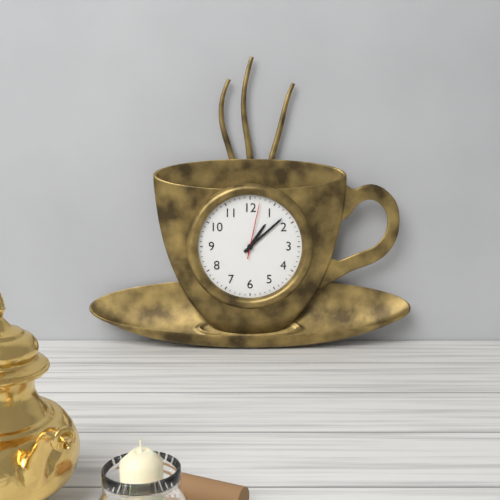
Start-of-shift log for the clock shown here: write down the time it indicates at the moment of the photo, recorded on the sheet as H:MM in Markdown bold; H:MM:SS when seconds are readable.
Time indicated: **1:08:02**
